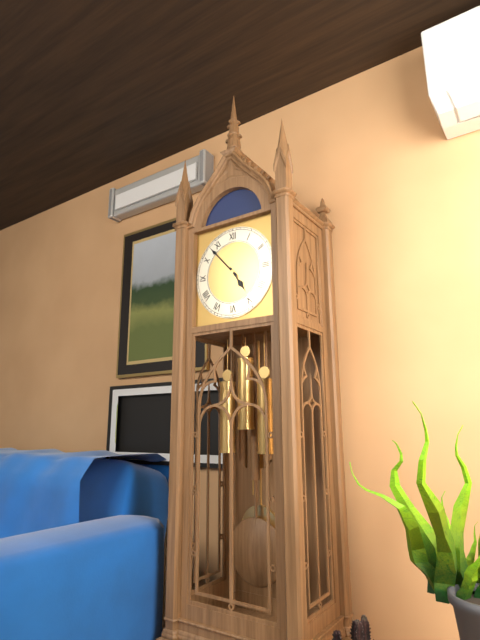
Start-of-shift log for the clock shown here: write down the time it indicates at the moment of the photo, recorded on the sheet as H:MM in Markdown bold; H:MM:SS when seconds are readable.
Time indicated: **4:53**
